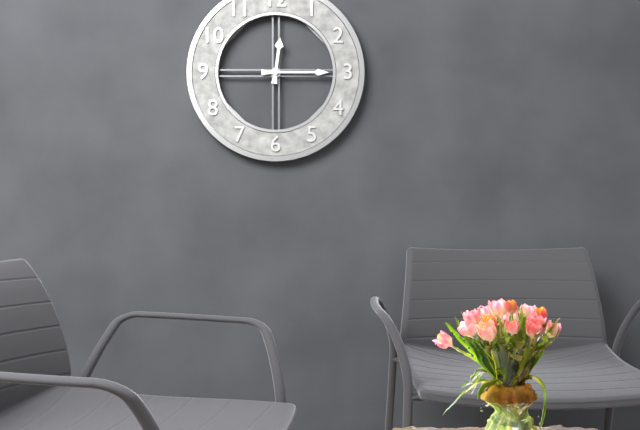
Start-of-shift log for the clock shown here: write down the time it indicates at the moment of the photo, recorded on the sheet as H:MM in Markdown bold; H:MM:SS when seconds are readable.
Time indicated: **12:15**
